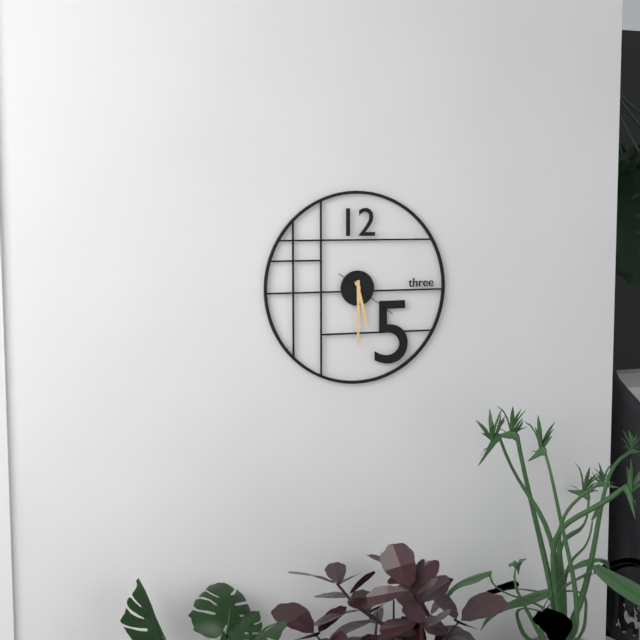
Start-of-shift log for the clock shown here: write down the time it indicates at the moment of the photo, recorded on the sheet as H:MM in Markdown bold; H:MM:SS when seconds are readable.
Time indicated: **5:30:21**
